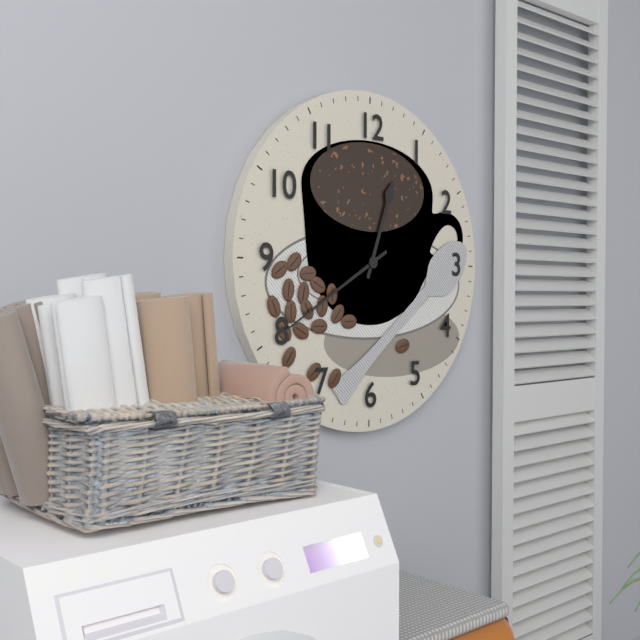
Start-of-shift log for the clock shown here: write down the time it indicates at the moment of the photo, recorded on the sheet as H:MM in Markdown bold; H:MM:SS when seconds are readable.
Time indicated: **12:40**
